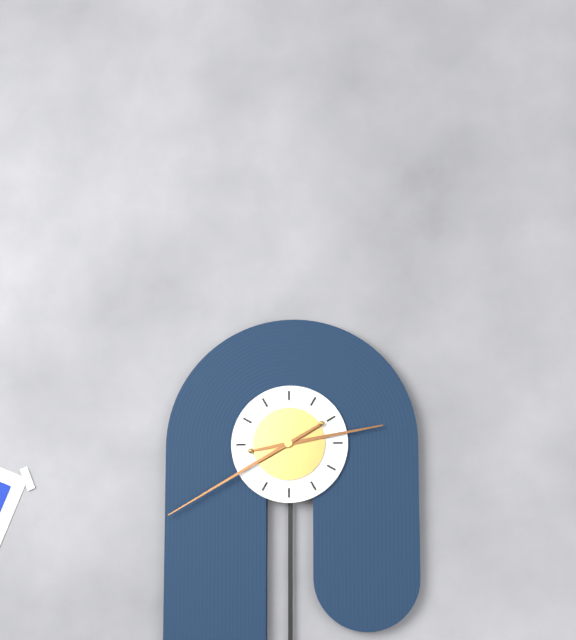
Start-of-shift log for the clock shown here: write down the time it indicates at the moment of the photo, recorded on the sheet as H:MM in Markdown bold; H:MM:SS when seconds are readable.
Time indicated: **2:40**
